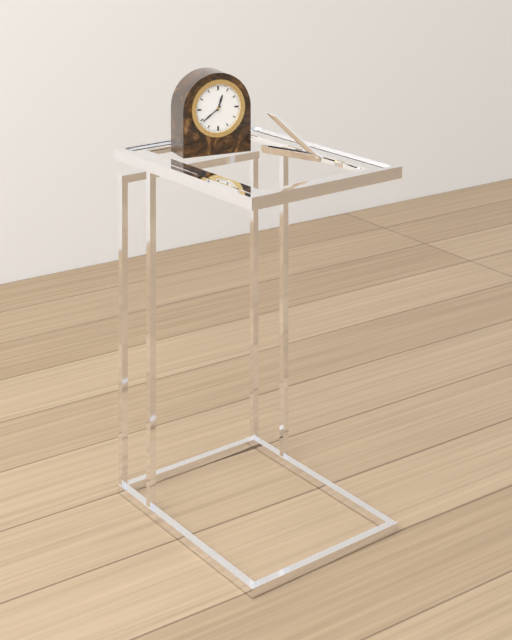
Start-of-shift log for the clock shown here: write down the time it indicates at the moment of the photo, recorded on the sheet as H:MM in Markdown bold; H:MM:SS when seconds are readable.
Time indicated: **12:39**
